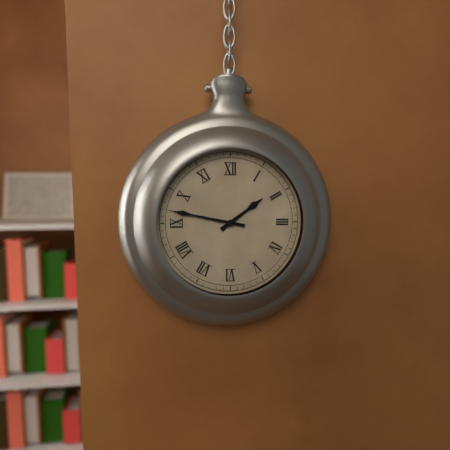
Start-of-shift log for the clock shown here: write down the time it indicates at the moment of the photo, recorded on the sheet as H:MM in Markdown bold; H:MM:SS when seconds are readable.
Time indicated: **1:47**
